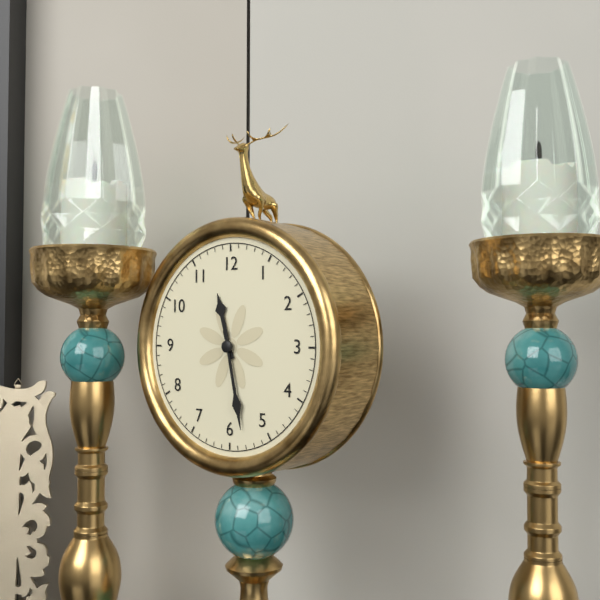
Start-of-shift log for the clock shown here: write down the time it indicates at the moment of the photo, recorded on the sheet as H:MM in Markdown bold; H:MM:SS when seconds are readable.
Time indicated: **11:28**
